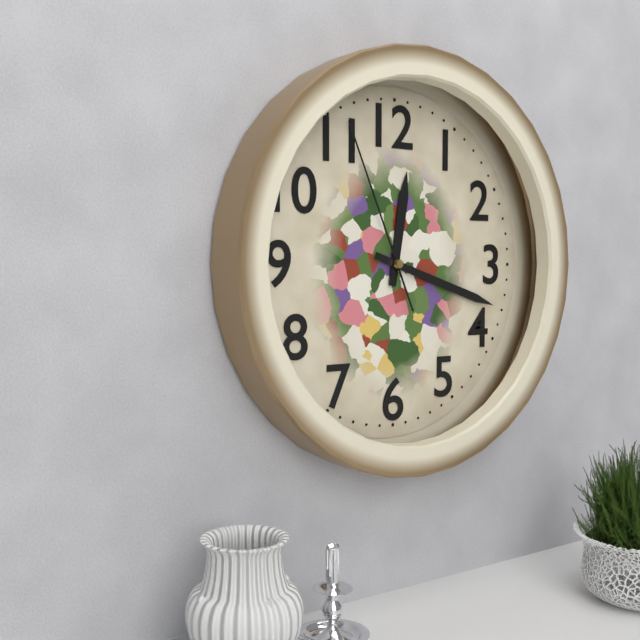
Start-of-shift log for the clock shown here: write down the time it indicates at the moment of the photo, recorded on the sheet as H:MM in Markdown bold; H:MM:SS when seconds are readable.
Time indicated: **12:18:56**
